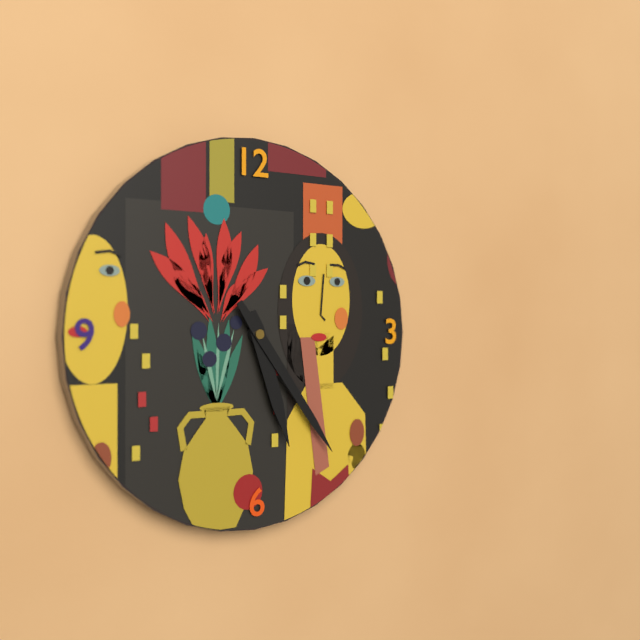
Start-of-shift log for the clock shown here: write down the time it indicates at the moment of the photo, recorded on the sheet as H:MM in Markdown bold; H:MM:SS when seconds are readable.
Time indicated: **5:24**
